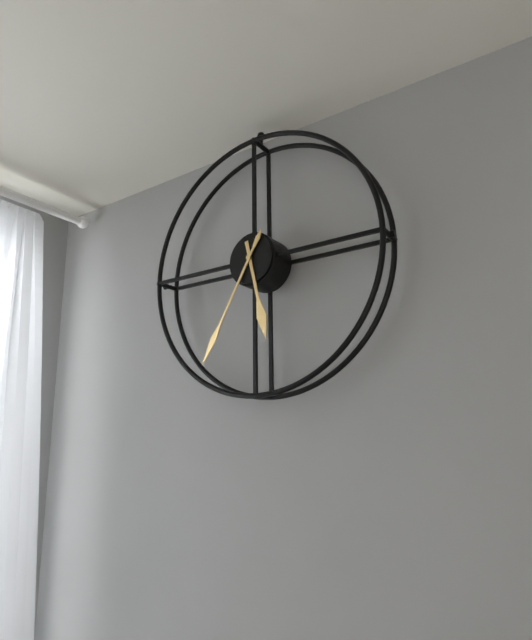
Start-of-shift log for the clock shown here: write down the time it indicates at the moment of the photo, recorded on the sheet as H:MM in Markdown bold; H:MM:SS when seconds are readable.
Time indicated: **5:35**
